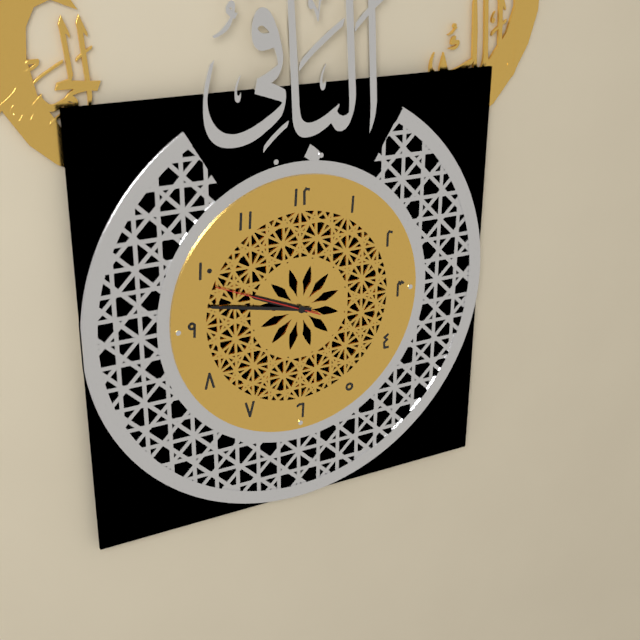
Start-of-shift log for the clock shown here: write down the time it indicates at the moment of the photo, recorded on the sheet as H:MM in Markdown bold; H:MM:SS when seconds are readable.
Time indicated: **9:47:49**
